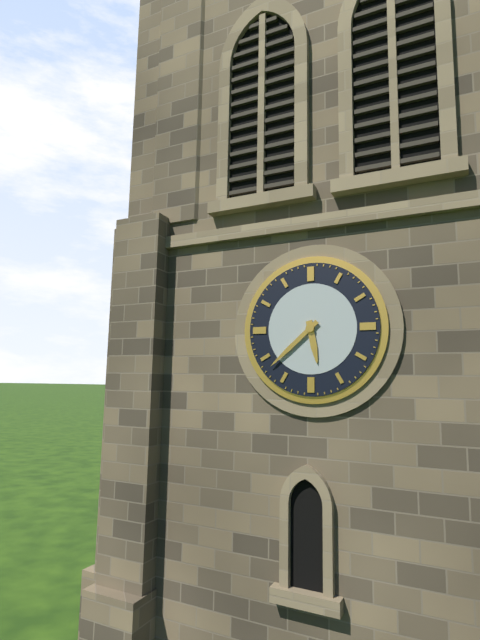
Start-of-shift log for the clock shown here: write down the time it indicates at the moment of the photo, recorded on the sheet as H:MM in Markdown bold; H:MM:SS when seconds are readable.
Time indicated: **5:38**
